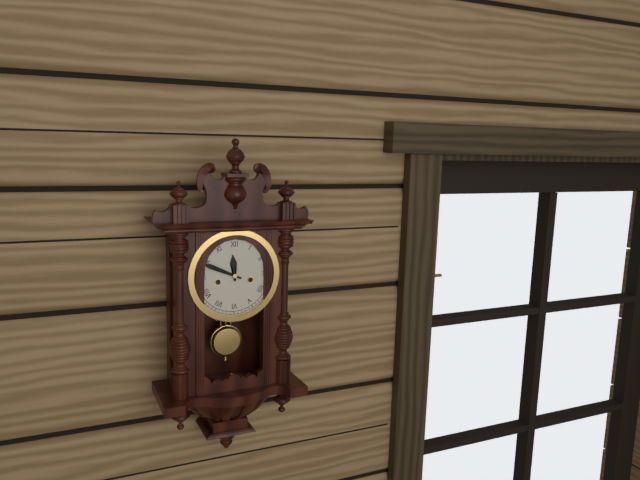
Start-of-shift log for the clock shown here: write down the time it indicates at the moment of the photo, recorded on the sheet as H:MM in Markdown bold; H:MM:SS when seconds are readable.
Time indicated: **11:49**
